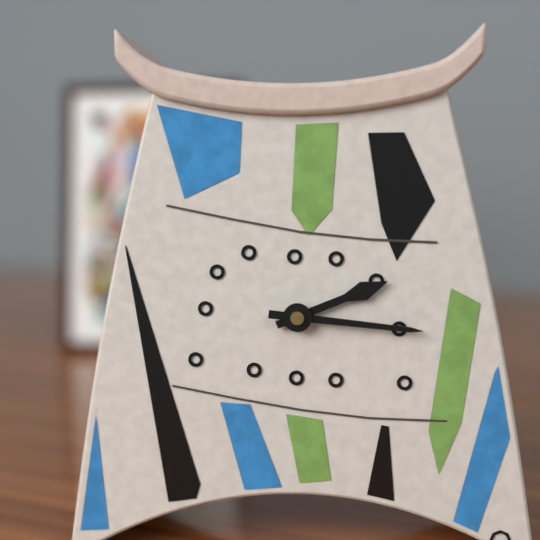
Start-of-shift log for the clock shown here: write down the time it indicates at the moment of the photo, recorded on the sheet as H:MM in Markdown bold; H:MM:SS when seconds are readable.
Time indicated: **2:16**
